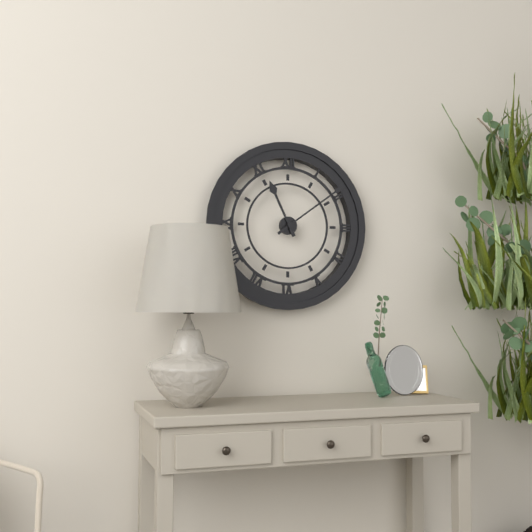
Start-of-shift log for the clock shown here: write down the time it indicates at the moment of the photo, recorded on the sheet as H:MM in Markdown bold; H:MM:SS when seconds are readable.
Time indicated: **11:09**
